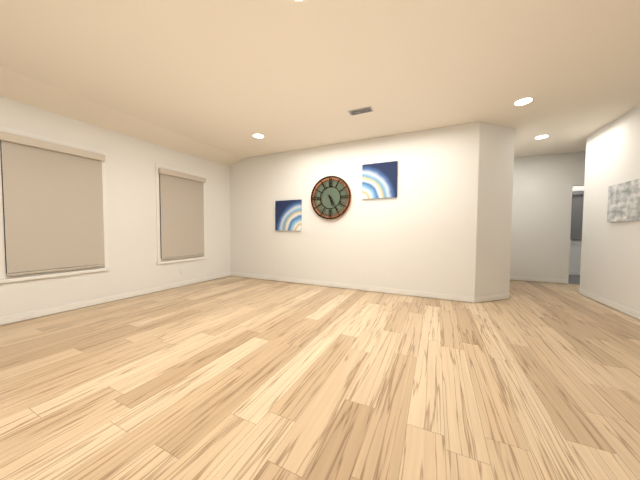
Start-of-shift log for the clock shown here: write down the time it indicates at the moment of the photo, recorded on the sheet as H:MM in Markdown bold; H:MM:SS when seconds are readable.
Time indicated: **5:25**
